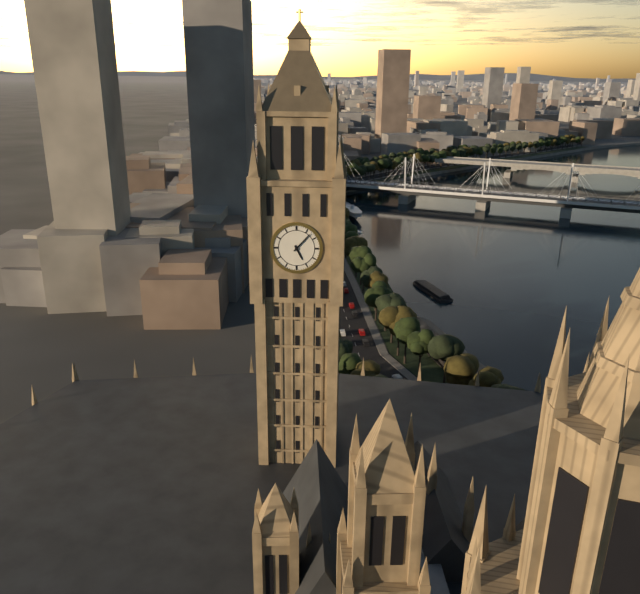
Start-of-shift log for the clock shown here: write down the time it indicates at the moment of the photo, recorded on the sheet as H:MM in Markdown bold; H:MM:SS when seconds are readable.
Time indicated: **5:07**
